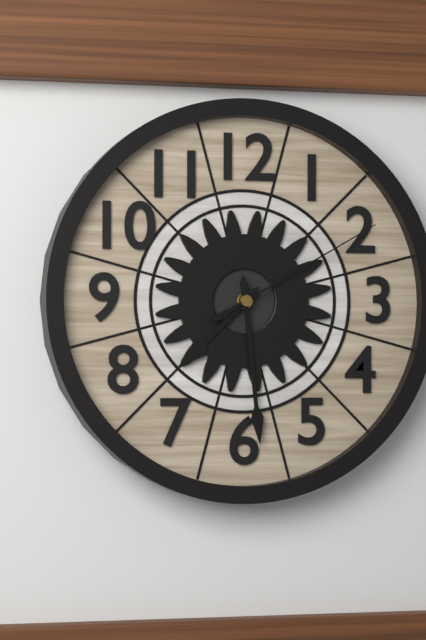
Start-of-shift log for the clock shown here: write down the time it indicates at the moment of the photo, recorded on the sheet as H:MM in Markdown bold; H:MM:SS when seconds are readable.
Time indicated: **7:29:10**
